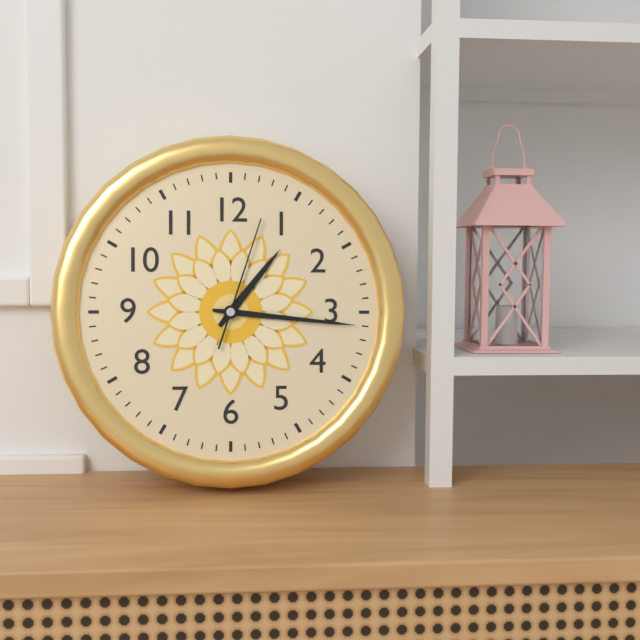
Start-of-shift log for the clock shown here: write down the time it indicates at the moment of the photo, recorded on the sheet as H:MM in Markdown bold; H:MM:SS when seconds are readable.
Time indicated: **1:16:03**
